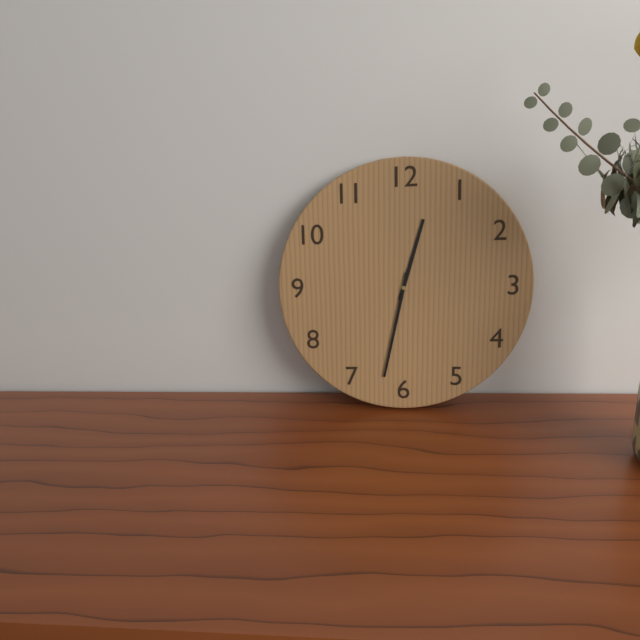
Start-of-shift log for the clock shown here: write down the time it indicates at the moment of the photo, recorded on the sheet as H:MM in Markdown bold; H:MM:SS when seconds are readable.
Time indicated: **12:32**
